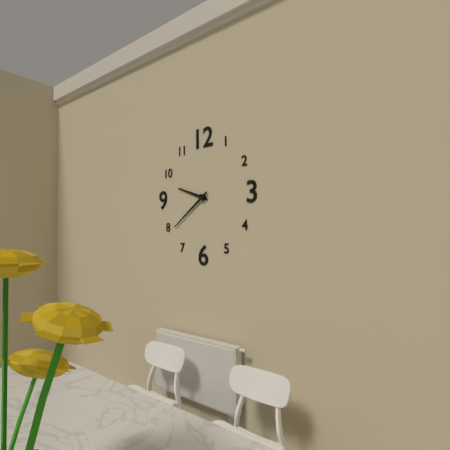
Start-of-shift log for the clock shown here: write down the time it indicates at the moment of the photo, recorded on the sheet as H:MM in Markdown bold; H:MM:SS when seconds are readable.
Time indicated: **9:39**
